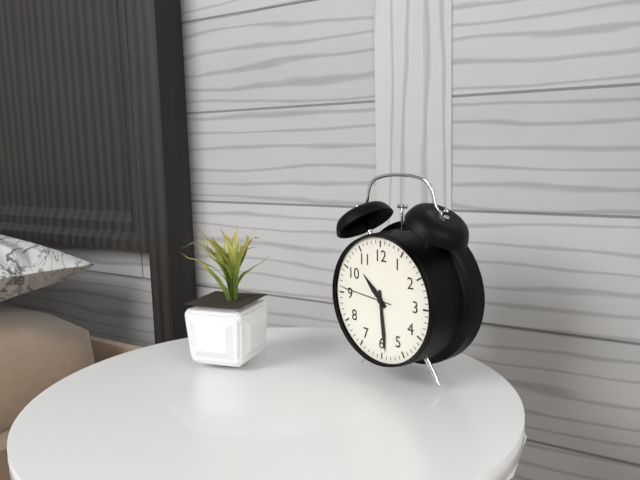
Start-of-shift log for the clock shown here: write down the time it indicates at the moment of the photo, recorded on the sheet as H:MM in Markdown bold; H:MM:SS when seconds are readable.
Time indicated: **10:29:46**
